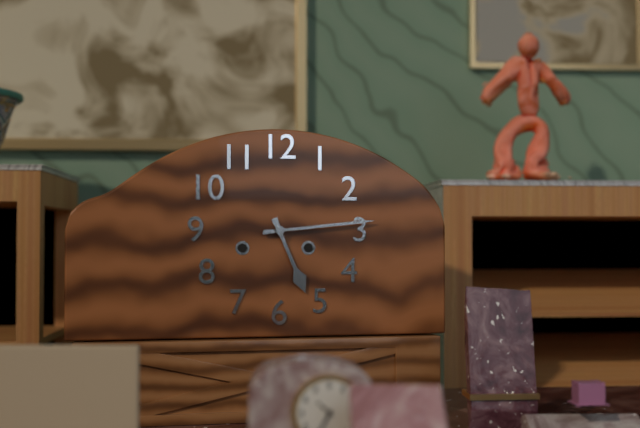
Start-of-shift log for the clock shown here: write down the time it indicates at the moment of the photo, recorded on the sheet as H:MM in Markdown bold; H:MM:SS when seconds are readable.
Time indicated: **5:14**
